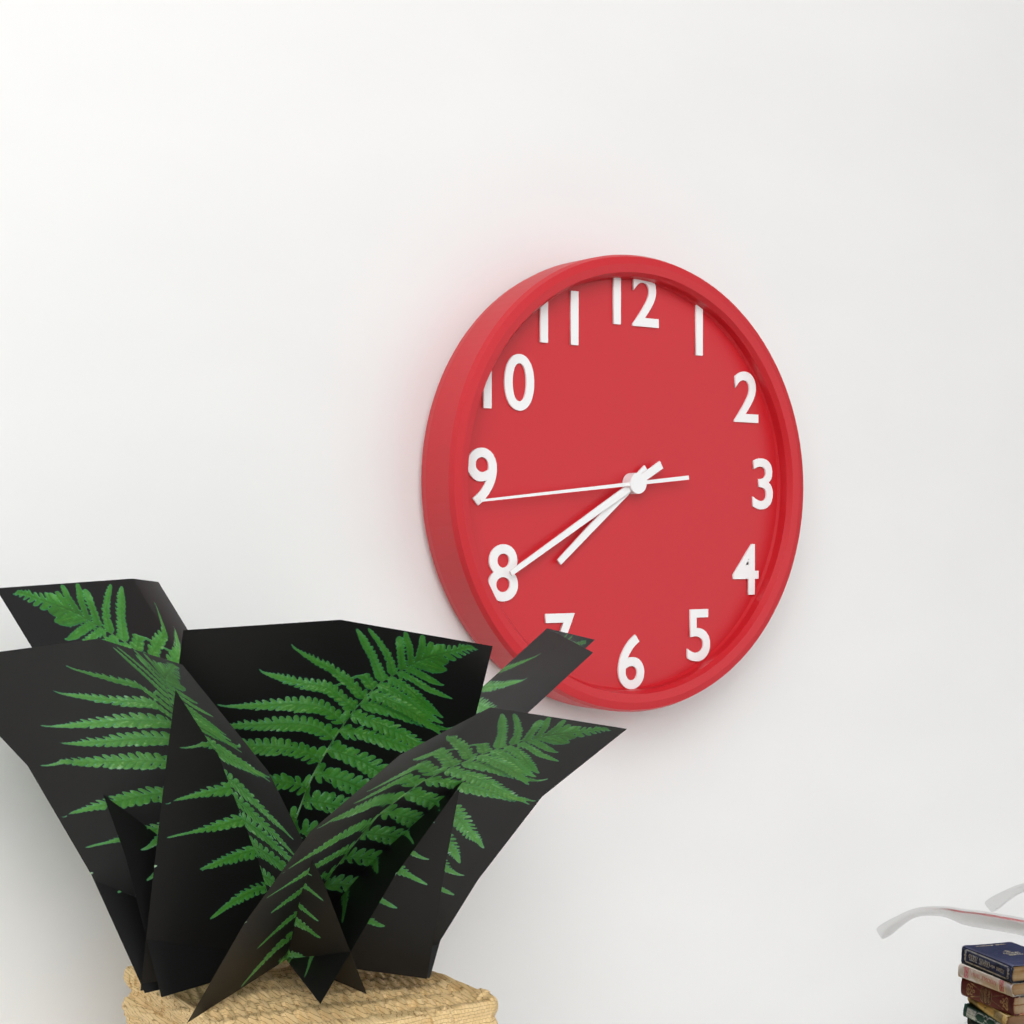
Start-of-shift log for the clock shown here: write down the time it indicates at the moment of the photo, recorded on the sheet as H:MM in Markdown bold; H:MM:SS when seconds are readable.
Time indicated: **7:40:44**
